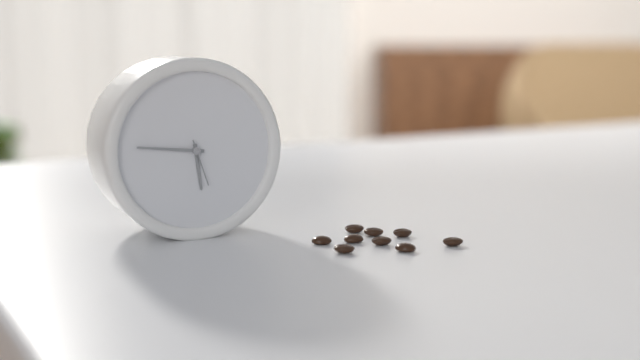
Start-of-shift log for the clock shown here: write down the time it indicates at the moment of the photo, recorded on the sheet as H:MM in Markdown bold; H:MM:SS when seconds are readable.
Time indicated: **5:46**
